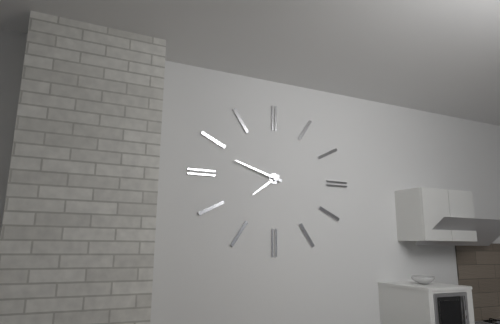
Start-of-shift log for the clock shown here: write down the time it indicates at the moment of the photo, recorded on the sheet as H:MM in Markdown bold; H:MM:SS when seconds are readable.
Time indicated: **7:48**
